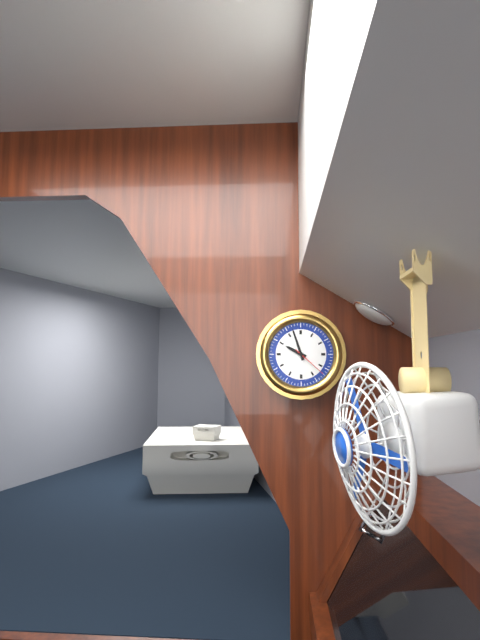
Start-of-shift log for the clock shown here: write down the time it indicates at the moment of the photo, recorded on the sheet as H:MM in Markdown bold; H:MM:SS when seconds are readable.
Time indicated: **9:57**
